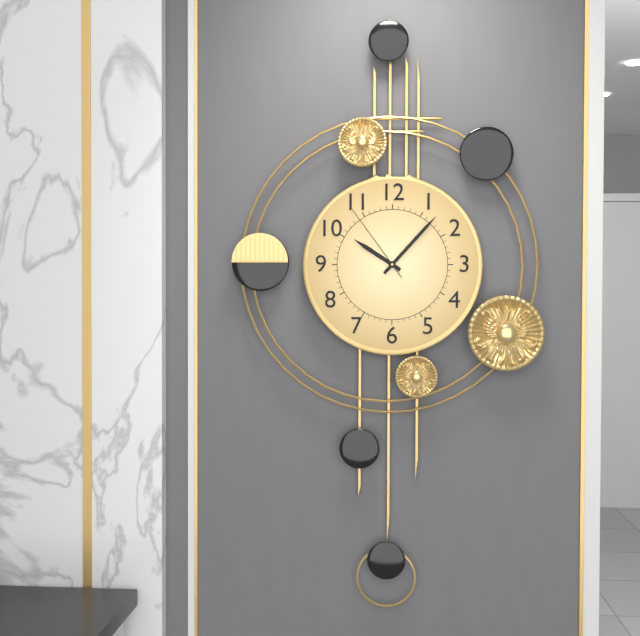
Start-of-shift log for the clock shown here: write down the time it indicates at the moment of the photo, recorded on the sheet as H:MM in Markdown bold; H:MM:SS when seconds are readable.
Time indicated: **10:07:54**
